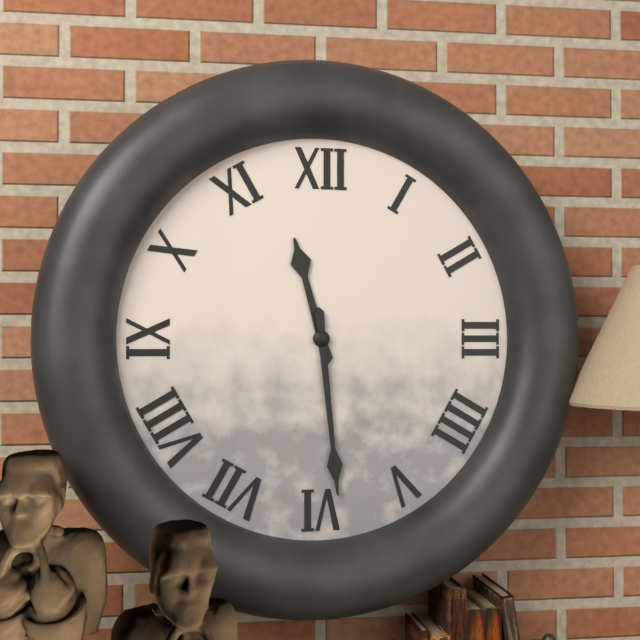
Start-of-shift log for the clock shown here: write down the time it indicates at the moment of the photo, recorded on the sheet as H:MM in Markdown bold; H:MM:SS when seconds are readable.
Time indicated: **11:29**
